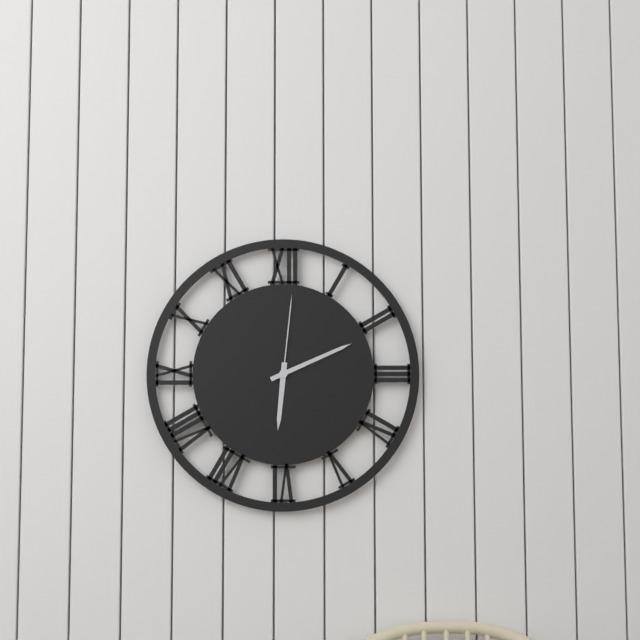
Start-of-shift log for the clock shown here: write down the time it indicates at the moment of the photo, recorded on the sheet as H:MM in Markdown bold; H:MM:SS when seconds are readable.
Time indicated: **6:11:01**
